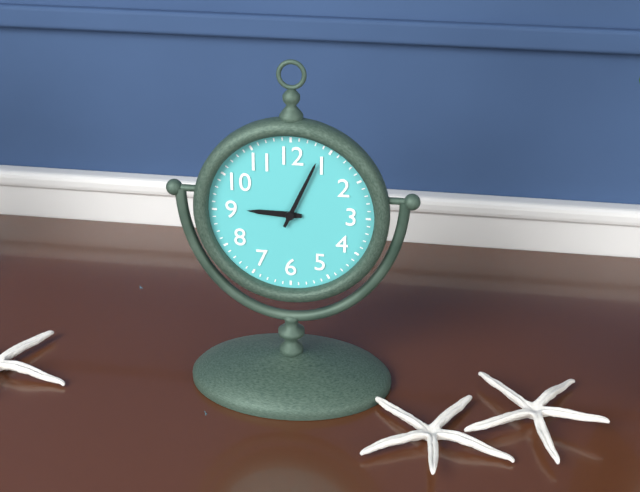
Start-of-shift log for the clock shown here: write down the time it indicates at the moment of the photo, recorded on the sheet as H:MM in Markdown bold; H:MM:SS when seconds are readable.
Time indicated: **9:04**
